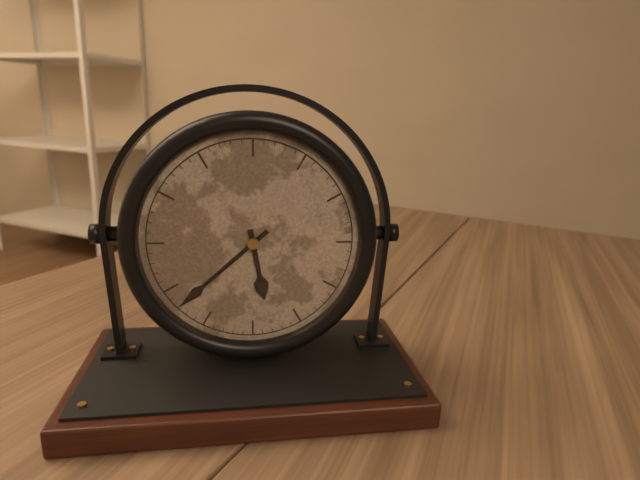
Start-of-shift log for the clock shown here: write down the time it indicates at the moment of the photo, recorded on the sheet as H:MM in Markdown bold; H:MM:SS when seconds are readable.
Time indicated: **5:38**
